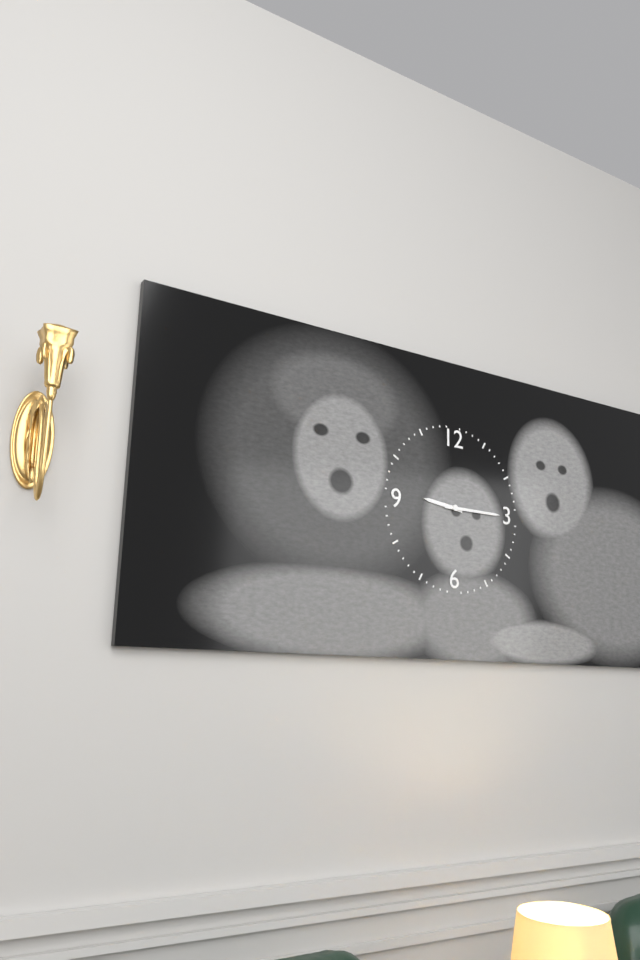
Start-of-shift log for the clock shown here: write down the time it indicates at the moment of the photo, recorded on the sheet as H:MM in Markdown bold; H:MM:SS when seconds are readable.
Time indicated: **9:15**
